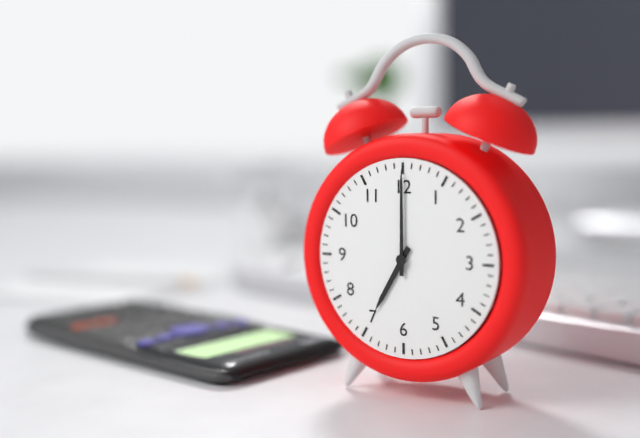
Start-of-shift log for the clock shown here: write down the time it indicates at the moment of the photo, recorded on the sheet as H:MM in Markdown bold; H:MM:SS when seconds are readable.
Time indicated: **7:00**
